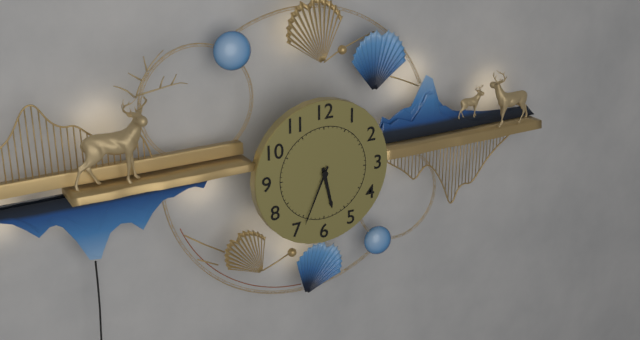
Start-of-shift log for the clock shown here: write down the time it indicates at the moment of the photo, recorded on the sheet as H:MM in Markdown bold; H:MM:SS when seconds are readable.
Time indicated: **5:34**
